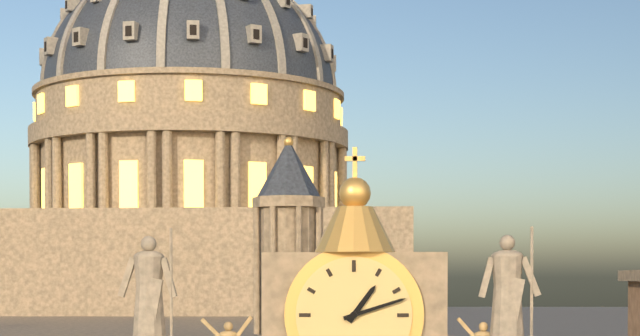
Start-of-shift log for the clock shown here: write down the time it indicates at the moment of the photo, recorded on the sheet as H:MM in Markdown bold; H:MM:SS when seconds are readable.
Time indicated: **1:12**
